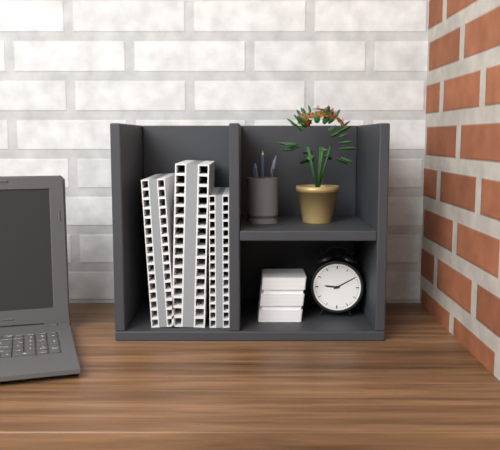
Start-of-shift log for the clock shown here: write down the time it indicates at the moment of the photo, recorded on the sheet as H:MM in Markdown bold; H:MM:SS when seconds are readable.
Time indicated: **9:10**
